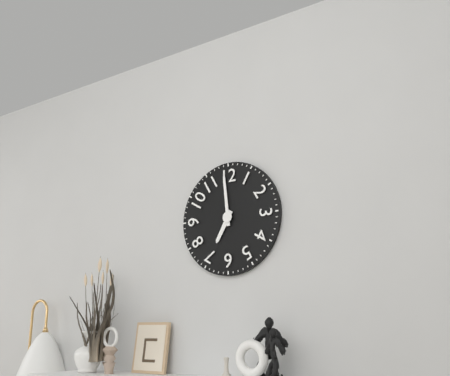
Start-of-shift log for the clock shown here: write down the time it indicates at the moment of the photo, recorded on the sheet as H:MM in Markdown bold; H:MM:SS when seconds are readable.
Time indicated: **6:59**
